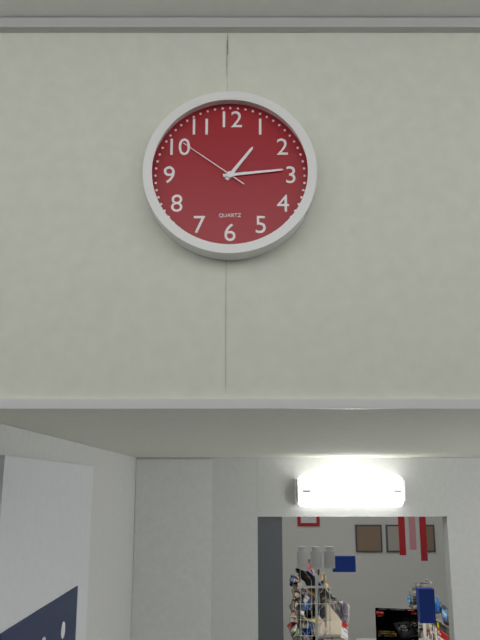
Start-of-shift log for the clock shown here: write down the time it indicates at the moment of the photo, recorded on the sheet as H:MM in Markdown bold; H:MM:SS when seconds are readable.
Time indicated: **1:14:51**
